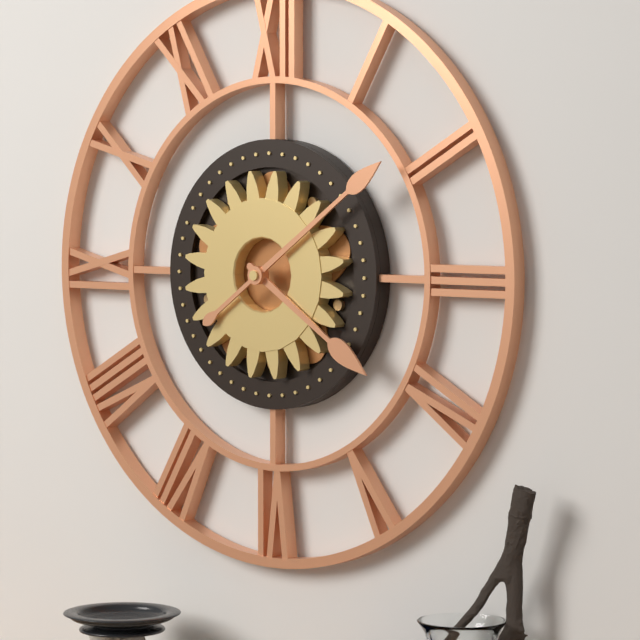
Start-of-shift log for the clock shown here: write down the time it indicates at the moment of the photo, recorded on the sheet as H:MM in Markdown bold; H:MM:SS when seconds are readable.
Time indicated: **4:09**
